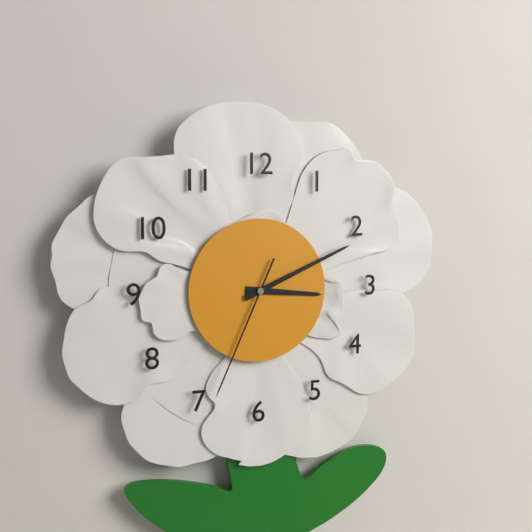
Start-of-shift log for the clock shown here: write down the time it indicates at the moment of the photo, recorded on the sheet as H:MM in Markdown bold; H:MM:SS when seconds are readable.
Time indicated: **3:11:34**
